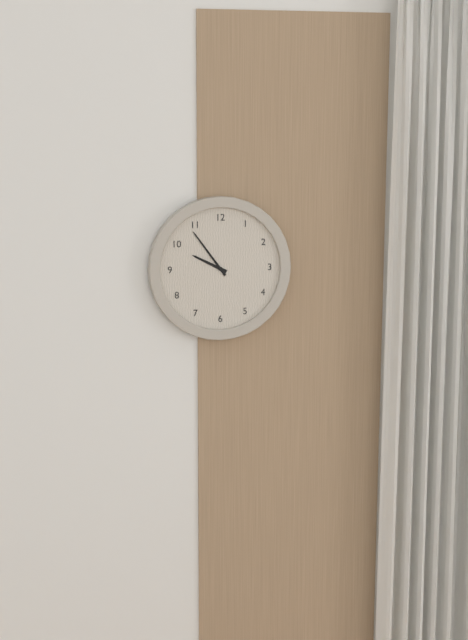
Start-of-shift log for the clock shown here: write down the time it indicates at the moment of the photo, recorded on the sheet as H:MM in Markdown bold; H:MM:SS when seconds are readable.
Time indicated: **9:54**
